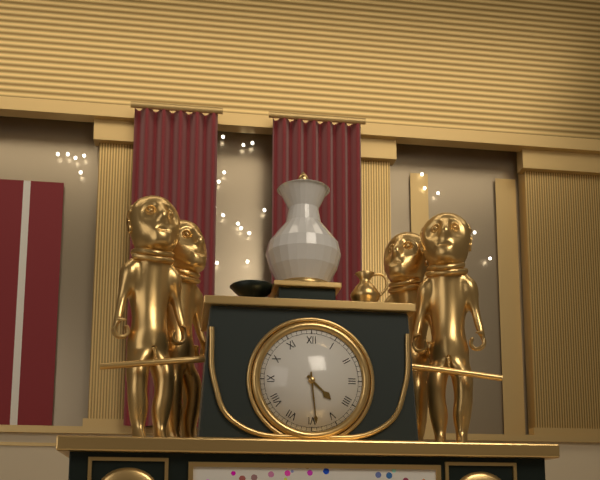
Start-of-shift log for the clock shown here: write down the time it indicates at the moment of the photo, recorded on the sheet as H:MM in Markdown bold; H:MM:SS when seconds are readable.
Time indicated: **4:29**
